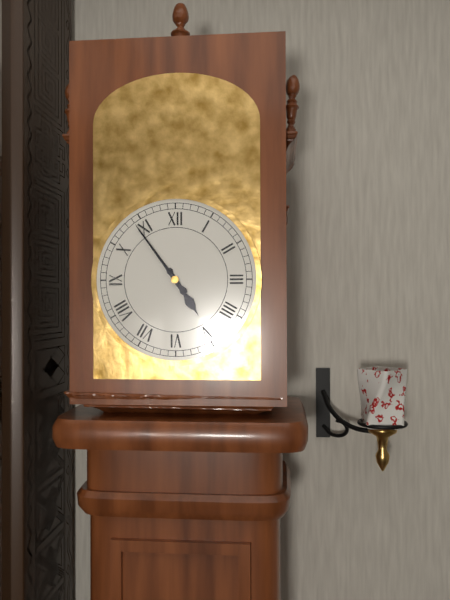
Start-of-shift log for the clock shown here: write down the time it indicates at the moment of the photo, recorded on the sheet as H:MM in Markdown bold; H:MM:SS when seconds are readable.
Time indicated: **4:54**
